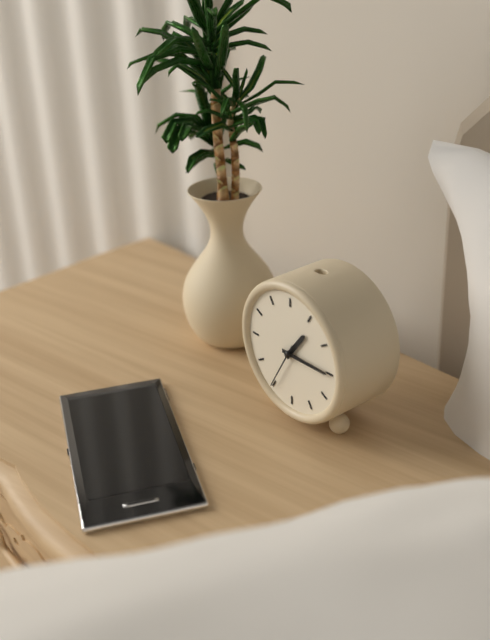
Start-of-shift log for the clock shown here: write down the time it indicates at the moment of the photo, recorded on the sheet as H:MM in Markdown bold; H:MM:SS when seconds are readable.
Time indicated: **1:15:35**
